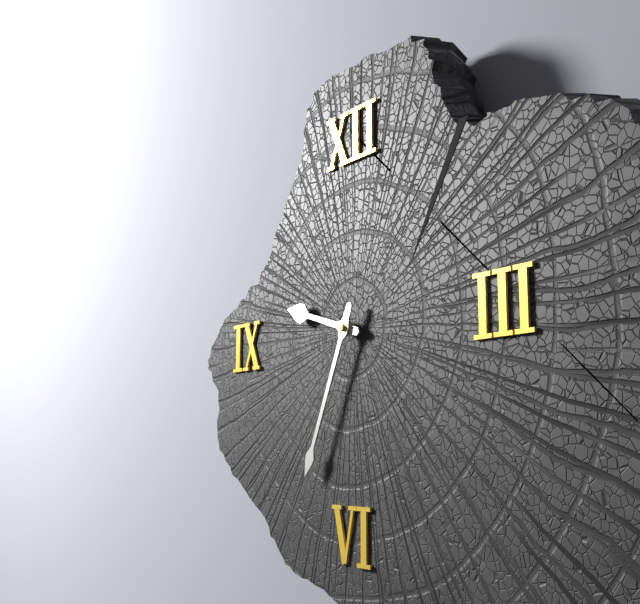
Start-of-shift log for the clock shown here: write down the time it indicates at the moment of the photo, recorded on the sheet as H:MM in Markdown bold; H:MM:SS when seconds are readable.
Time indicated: **9:34**
